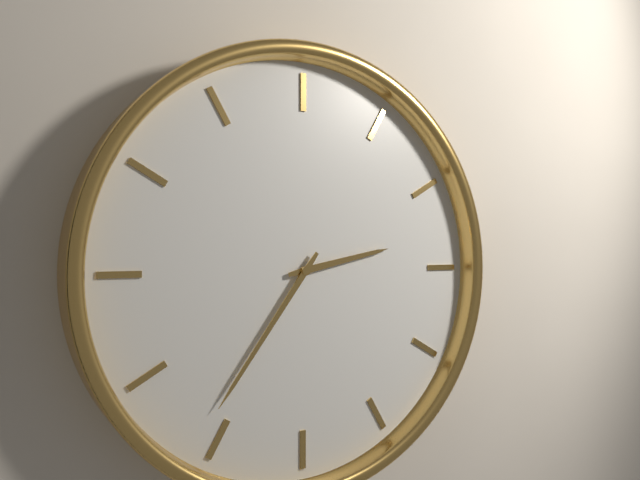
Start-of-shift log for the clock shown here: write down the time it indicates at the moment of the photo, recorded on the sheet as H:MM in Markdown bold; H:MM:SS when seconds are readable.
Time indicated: **2:36**
